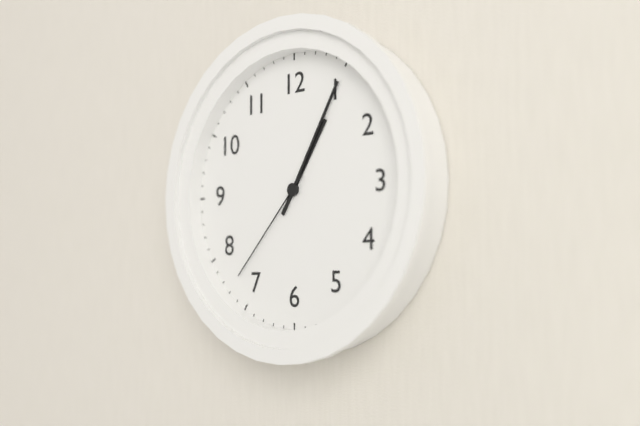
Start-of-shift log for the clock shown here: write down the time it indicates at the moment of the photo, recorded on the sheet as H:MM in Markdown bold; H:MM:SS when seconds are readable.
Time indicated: **1:05:37**
